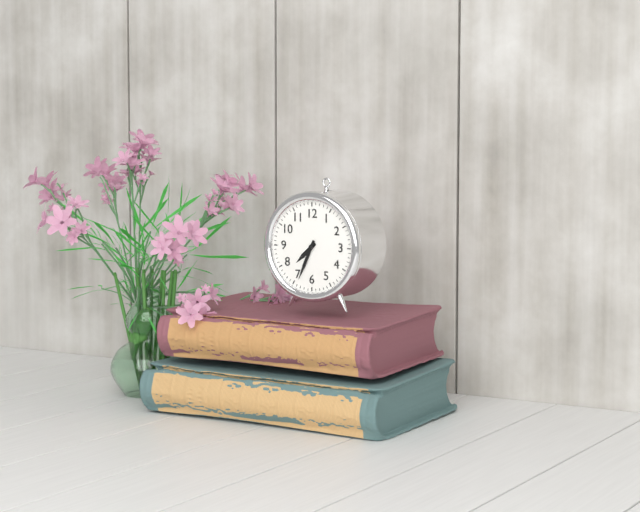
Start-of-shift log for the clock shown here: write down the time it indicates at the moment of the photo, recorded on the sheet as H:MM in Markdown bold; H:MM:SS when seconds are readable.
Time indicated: **7:34**
